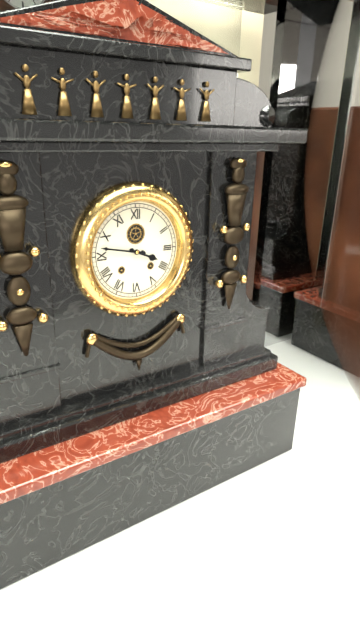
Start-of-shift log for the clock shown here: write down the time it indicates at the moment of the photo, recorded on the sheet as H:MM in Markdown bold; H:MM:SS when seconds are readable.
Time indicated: **3:47**
